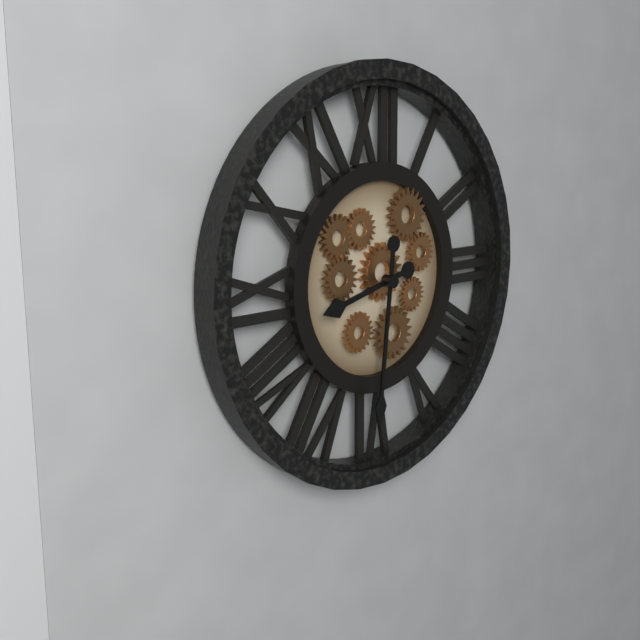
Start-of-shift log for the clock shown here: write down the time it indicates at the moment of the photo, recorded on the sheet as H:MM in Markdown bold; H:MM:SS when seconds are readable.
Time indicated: **8:31**
